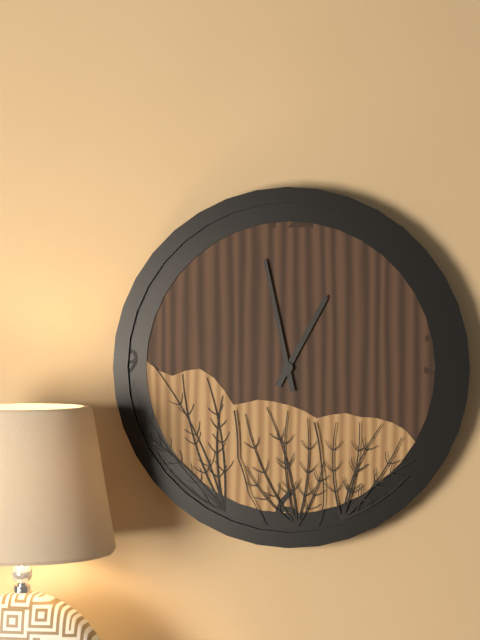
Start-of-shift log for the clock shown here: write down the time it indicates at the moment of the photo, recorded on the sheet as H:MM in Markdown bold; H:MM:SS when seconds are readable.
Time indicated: **12:58**
